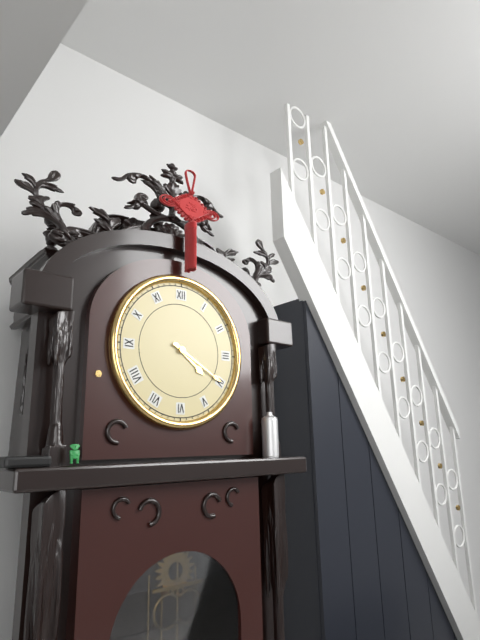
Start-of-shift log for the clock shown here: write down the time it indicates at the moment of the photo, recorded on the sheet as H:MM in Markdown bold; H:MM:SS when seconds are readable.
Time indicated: **4:20**
